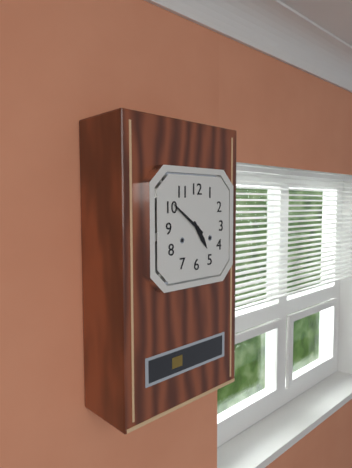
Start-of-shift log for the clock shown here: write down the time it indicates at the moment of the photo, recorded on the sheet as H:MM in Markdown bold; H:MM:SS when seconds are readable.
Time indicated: **4:51**
